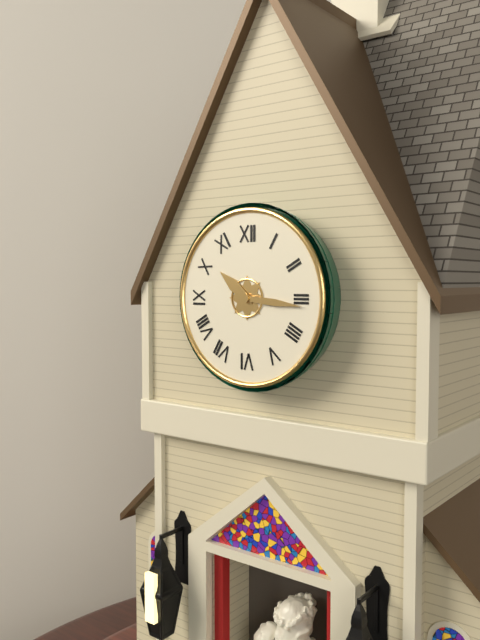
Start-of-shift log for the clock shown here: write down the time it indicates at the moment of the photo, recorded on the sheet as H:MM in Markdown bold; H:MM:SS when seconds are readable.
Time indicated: **10:16**
